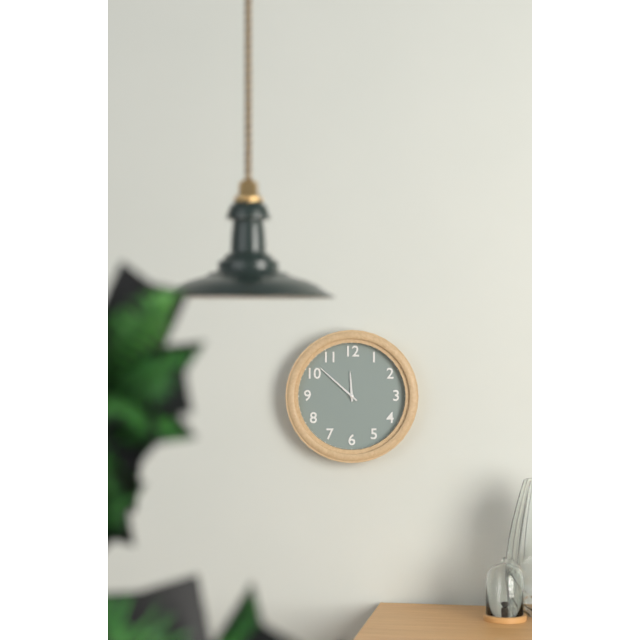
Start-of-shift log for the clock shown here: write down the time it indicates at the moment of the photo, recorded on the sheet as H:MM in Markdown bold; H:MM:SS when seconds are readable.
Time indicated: **11:52**
